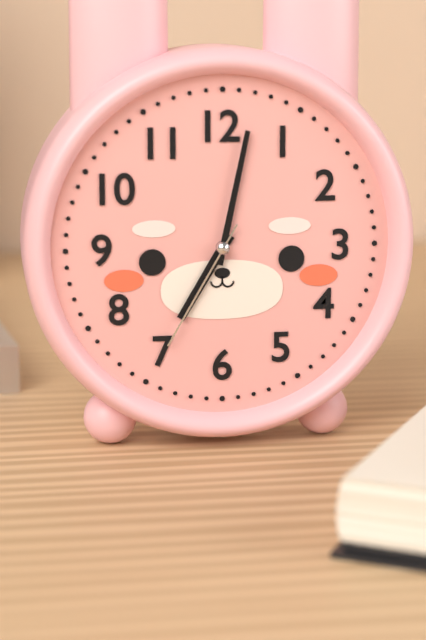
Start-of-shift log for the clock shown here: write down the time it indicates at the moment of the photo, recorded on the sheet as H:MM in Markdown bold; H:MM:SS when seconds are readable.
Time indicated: **7:02:35**
